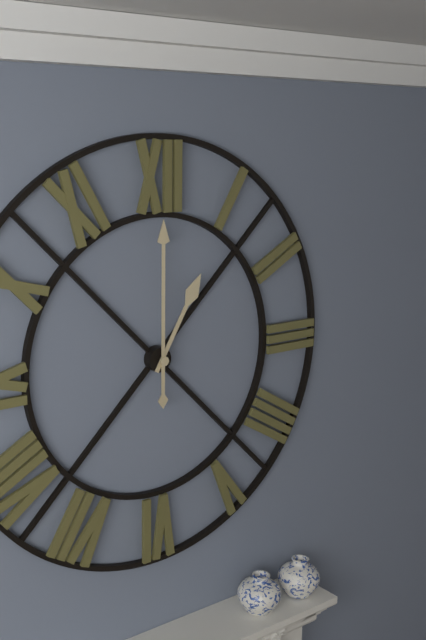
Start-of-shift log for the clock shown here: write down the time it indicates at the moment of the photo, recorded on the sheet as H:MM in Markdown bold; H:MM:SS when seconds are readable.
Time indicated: **1:00**
